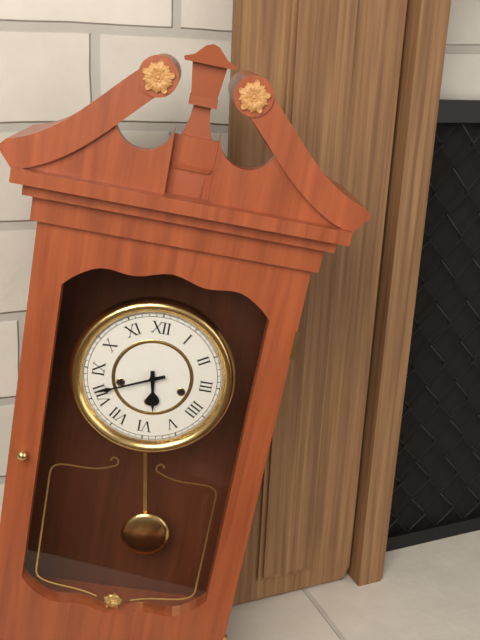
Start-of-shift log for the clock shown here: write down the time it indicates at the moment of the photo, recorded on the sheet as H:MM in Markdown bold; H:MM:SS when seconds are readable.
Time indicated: **5:41**
